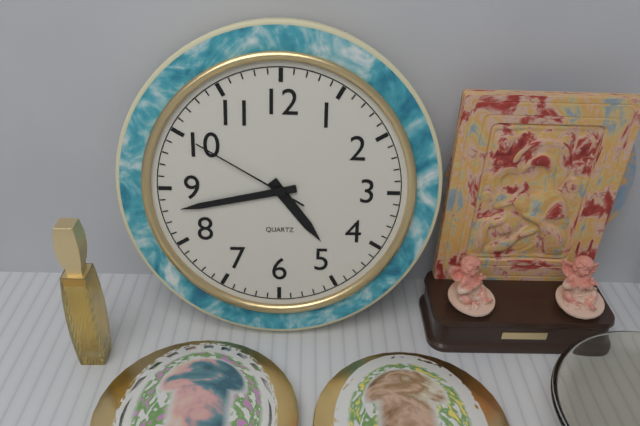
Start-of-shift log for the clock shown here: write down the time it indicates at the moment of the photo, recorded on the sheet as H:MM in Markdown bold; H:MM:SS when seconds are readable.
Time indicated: **4:43:50**
